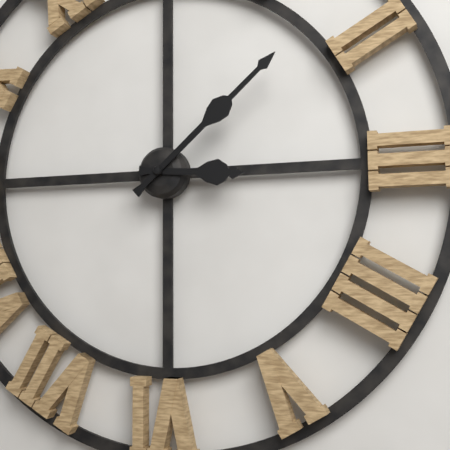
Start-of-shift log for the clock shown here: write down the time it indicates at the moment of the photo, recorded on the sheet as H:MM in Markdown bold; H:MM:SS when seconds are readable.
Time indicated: **3:08**
